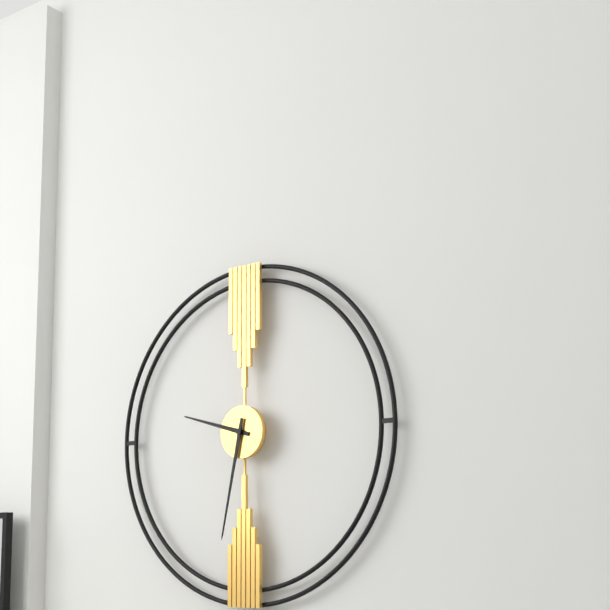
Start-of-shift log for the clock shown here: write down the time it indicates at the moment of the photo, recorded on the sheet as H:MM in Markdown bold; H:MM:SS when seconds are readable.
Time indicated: **9:32**
